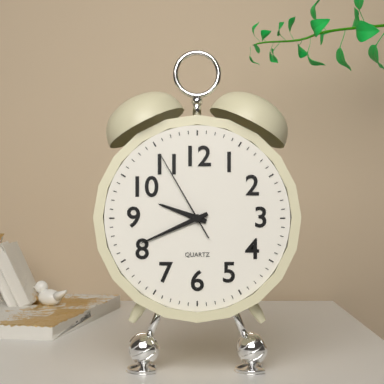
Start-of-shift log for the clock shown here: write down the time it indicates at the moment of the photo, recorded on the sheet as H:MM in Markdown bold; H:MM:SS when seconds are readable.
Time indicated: **9:41:55**
